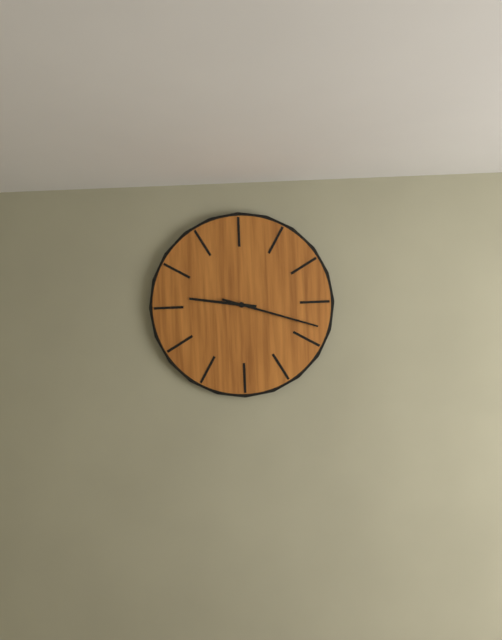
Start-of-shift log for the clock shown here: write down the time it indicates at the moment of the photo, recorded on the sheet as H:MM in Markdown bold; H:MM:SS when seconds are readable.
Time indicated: **9:18**
